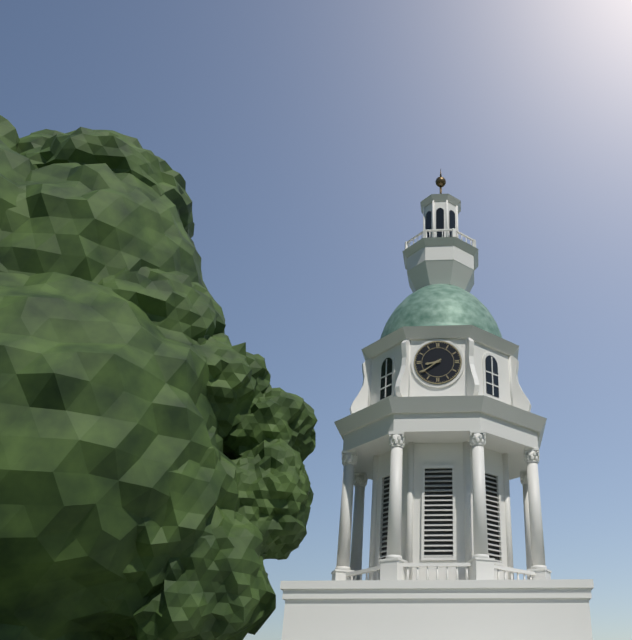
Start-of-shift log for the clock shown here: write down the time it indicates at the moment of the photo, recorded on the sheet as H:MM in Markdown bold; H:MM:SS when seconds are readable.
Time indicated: **8:39**
